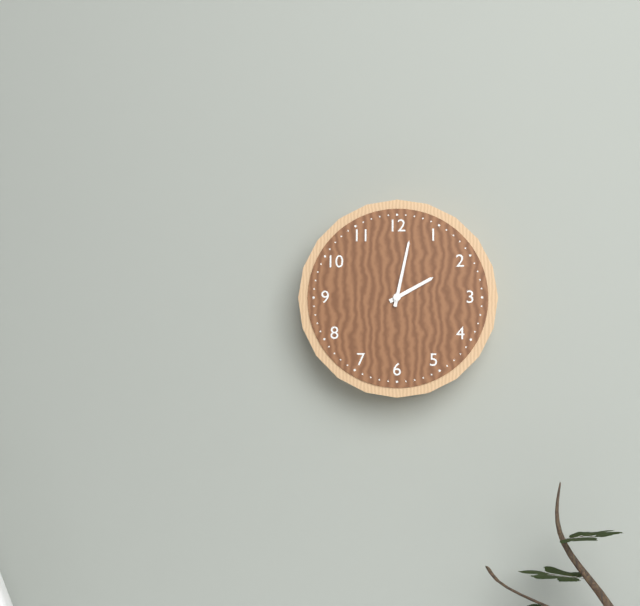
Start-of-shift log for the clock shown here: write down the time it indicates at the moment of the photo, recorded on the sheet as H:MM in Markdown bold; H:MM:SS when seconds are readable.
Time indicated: **2:02**
